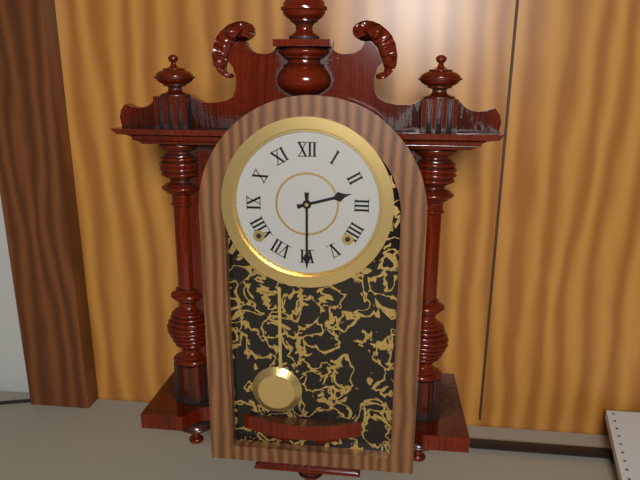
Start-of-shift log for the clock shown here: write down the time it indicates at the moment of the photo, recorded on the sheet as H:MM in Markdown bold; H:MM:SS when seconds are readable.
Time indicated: **2:30**
